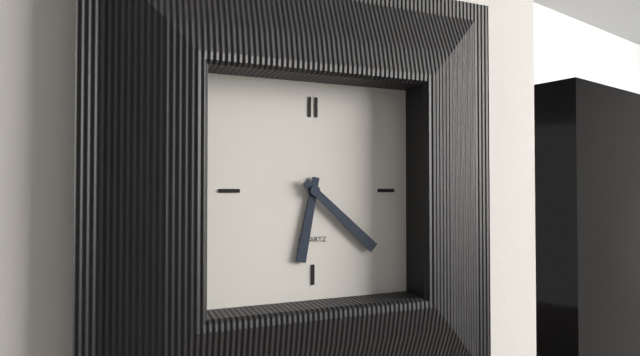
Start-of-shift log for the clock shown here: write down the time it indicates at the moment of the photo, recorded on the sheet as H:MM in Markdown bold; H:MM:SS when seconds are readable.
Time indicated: **6:22**
